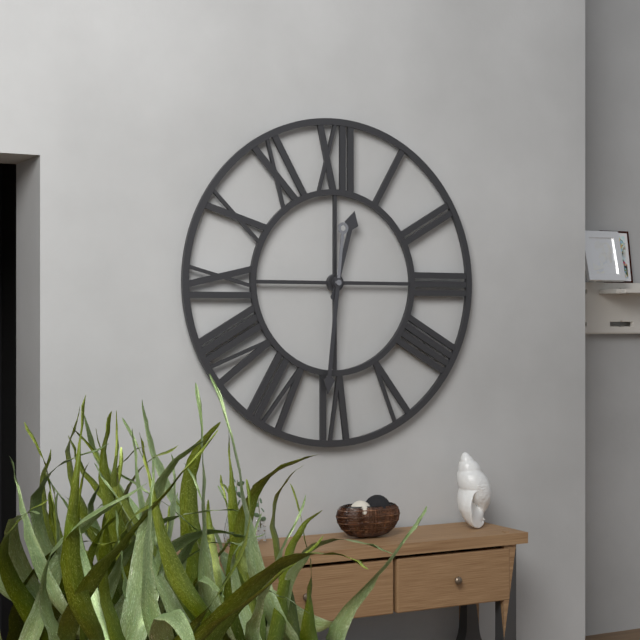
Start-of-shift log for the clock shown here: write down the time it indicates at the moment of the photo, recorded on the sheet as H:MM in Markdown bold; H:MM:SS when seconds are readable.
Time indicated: **12:31**
